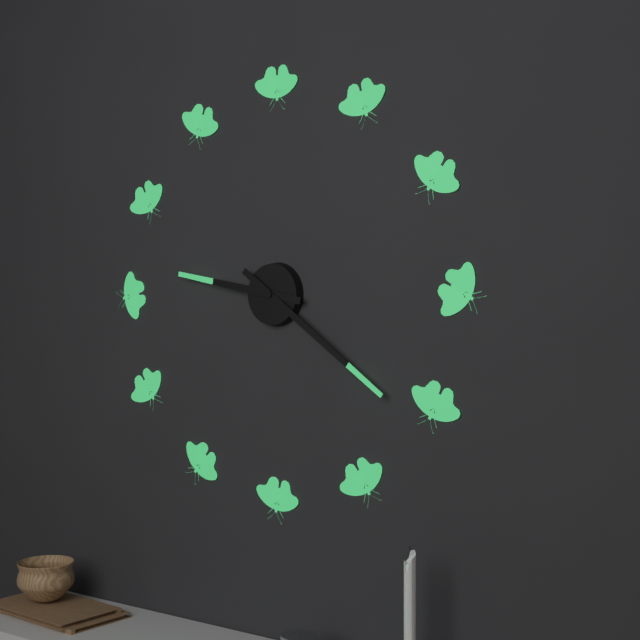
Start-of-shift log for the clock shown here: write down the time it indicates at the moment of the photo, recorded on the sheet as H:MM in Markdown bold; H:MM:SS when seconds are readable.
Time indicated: **9:21**
